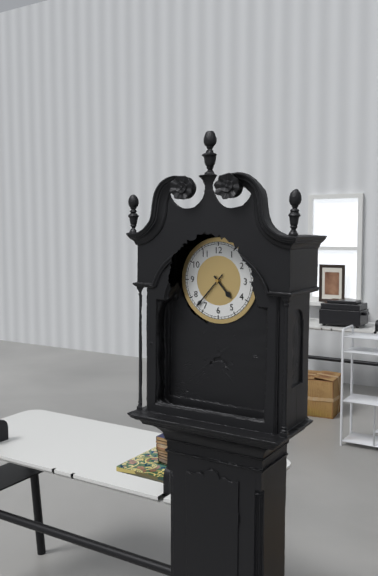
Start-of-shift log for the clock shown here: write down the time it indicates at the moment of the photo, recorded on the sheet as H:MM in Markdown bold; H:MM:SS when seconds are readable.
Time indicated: **4:37**
